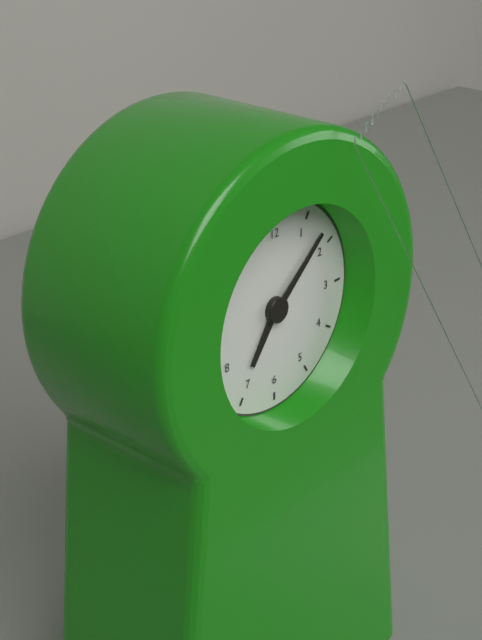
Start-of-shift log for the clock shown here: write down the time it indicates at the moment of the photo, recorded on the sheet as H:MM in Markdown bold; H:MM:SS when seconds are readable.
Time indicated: **7:08**
